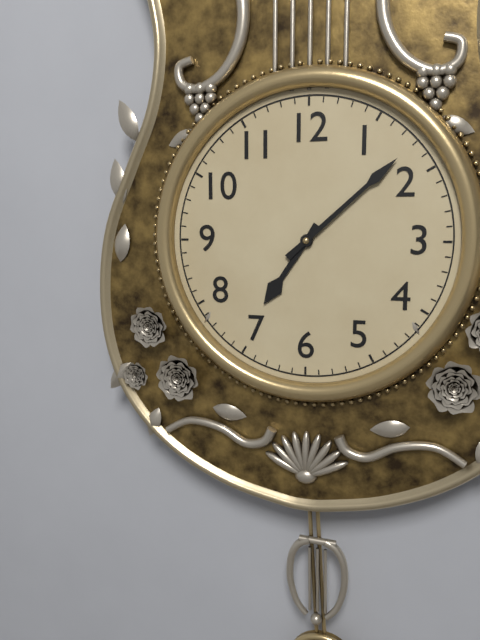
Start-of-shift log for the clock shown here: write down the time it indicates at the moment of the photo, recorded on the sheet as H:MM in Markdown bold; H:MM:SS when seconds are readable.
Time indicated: **7:08**
